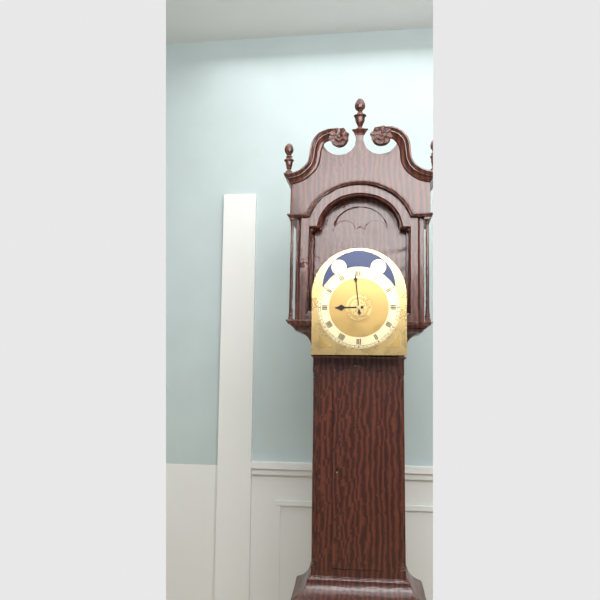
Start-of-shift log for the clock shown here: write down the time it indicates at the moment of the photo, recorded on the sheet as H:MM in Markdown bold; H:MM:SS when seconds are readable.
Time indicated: **8:59**
